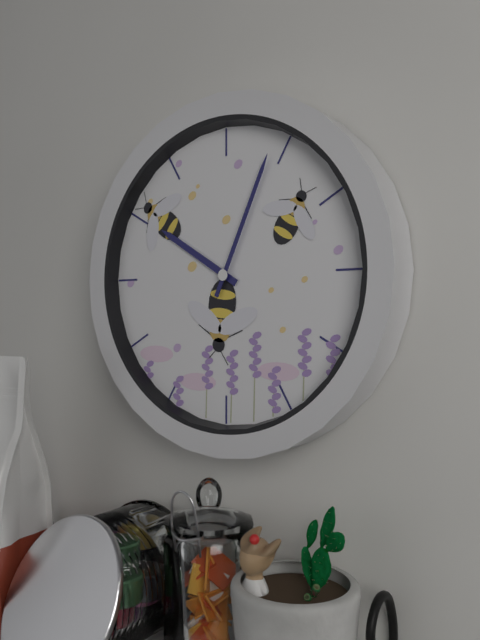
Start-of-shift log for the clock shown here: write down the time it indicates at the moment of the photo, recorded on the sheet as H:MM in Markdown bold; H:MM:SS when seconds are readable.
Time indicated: **10:04**
